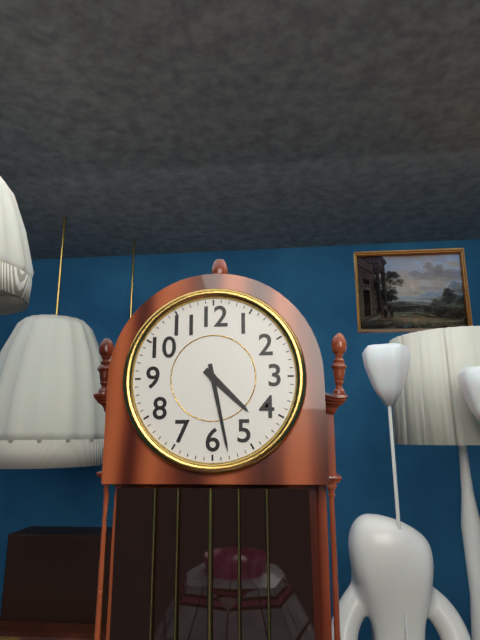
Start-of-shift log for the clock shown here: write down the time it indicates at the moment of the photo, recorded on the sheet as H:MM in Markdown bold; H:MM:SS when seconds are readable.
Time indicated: **4:28**
